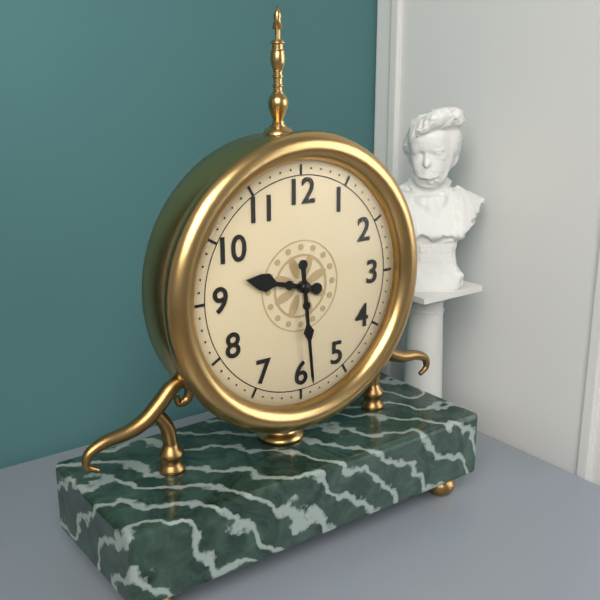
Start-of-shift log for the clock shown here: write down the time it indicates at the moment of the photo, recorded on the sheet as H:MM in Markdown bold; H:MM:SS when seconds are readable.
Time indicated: **9:29**
